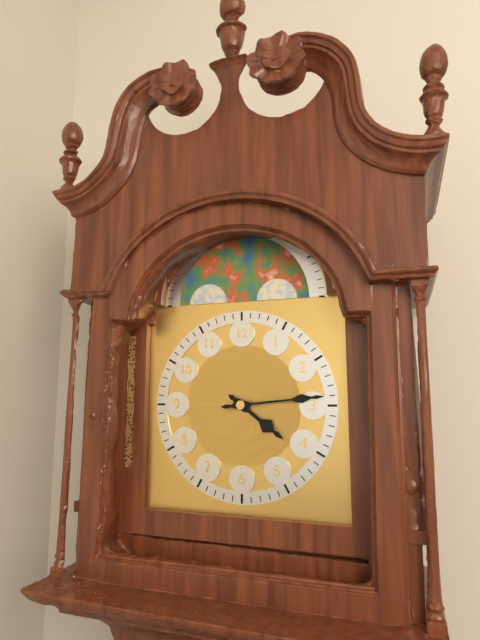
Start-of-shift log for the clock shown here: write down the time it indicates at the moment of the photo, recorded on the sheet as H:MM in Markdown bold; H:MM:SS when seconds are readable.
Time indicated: **4:14**
